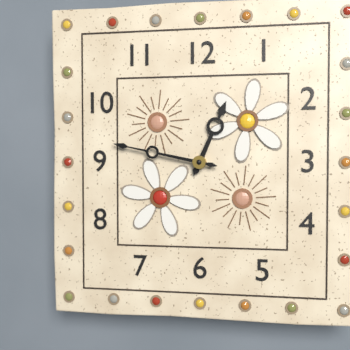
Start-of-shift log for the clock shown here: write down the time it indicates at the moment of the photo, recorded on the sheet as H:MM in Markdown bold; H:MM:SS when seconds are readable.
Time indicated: **12:47**
